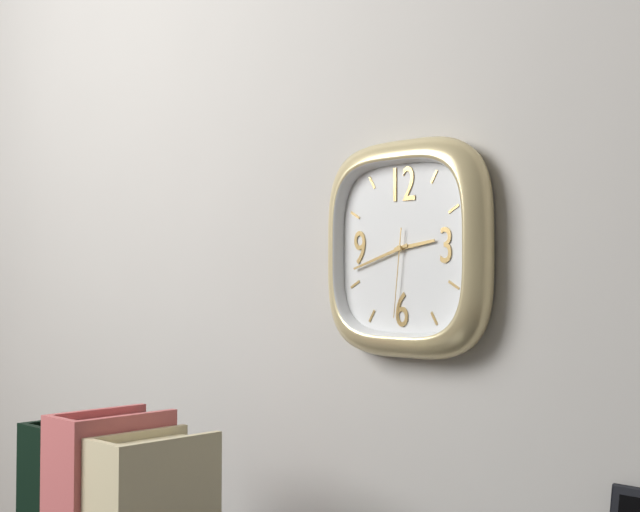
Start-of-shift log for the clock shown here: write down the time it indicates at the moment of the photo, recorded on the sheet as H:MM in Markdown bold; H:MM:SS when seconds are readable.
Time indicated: **2:42:31**
